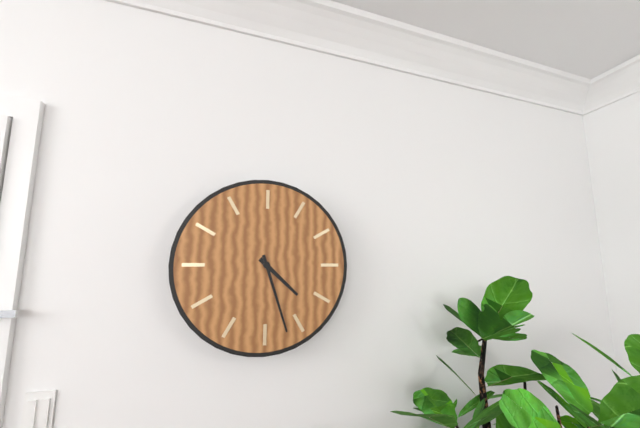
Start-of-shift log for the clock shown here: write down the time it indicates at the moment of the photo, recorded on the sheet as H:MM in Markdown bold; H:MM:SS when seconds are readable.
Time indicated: **4:27**
